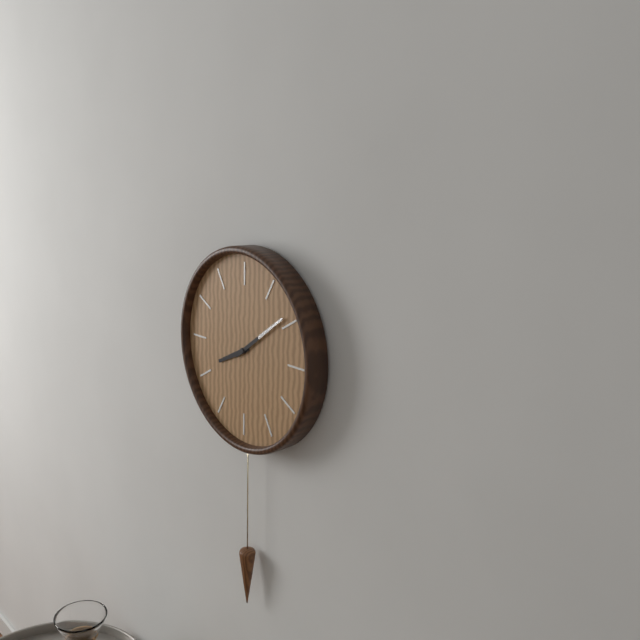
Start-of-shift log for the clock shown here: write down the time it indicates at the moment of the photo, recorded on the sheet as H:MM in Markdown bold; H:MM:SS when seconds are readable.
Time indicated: **8:09**
